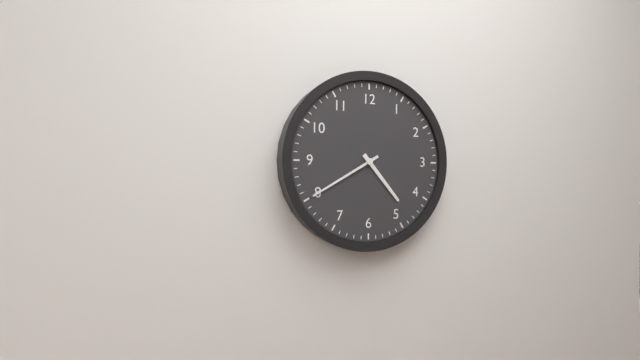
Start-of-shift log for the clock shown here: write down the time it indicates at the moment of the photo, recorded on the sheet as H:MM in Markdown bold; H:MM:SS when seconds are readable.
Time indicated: **4:40**
